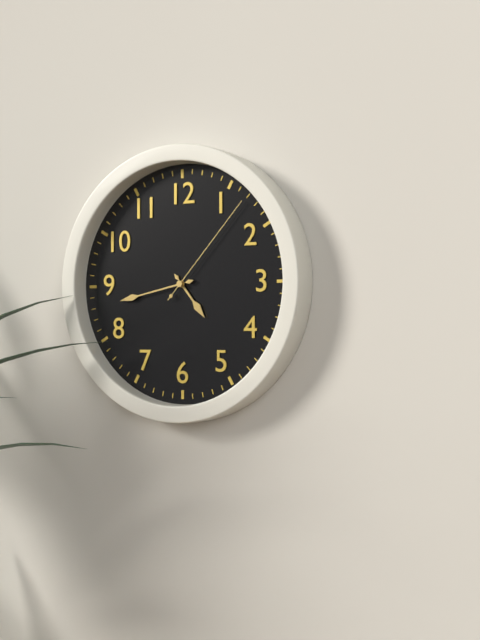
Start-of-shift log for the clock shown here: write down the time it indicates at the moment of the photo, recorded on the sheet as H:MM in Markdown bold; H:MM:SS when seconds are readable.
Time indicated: **4:43:07**
